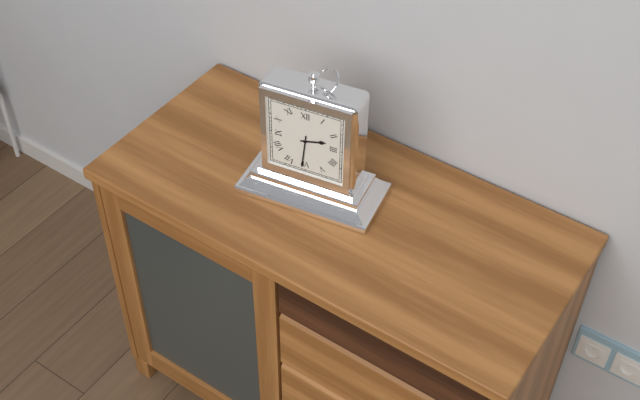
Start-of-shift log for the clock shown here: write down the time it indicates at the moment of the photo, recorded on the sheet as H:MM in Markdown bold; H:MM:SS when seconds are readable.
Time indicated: **2:31**
